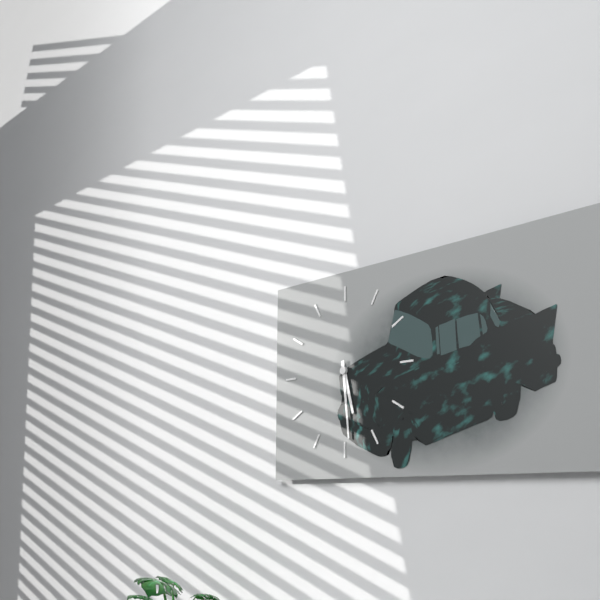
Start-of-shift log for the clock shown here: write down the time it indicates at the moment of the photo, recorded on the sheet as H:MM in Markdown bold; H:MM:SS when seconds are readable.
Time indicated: **5:29**
